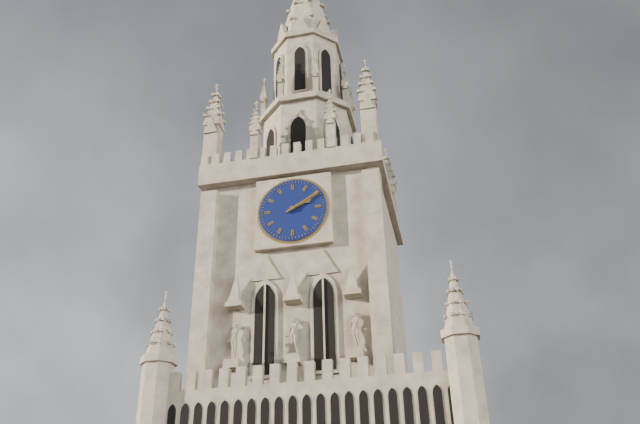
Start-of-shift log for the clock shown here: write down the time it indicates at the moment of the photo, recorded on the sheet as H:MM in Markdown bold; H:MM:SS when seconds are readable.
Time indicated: **2:10**
